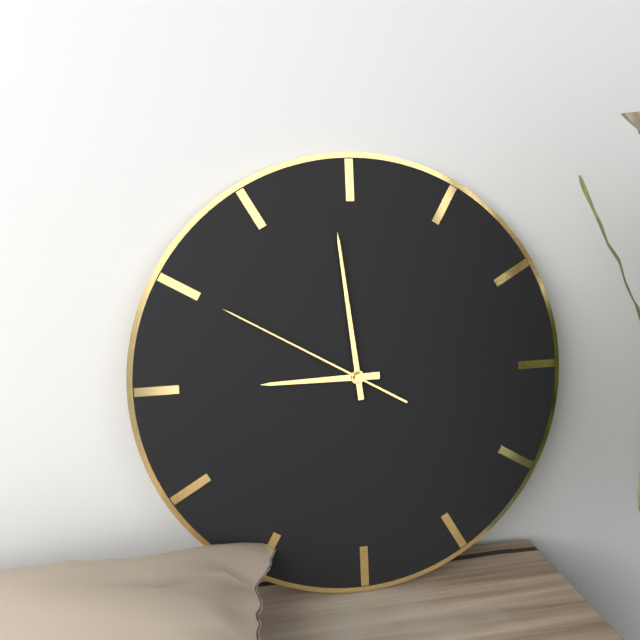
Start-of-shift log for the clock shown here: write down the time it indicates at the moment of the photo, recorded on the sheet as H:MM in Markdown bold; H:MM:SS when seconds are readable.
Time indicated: **8:59:50**
